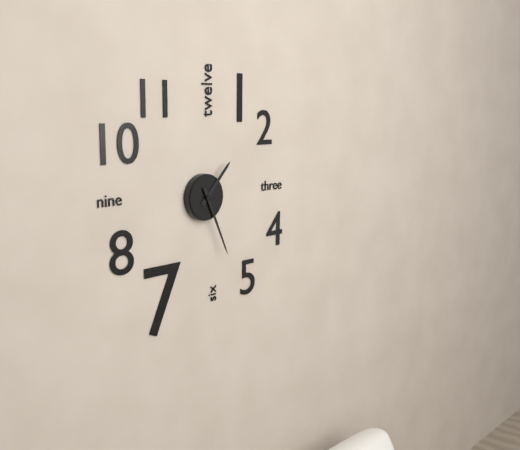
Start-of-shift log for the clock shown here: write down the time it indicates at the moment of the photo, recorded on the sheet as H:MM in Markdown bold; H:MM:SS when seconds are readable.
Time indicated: **1:26**
